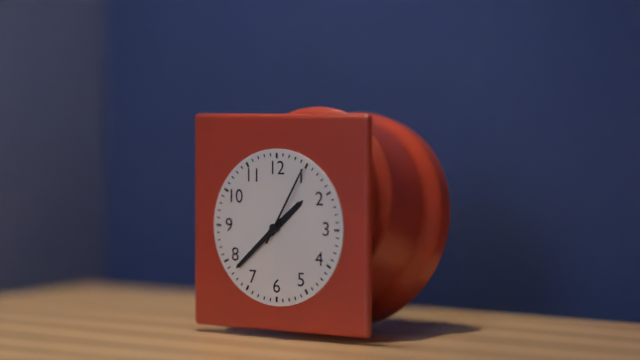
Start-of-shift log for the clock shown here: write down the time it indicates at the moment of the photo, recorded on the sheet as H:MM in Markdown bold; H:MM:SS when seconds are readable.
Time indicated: **1:38:05**
